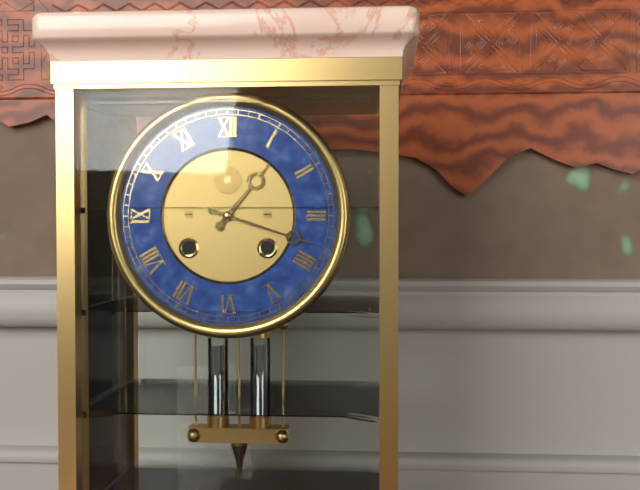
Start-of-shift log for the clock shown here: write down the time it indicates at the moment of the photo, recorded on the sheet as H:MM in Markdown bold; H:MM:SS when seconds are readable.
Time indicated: **1:18**
